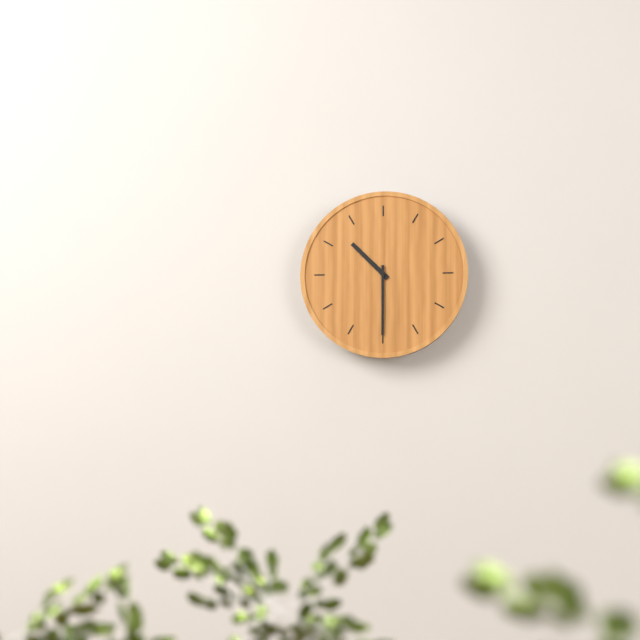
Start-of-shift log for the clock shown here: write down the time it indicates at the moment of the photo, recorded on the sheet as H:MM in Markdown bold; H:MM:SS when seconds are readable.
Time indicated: **10:30**
